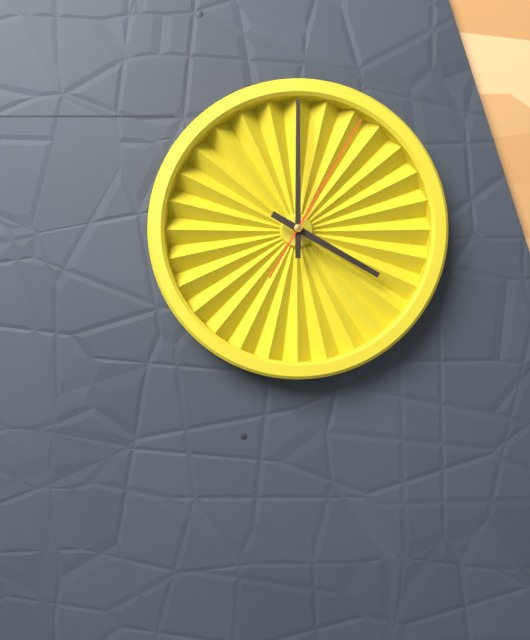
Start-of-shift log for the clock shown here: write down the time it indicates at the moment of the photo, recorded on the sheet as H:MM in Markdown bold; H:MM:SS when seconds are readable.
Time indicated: **4:00:05**
